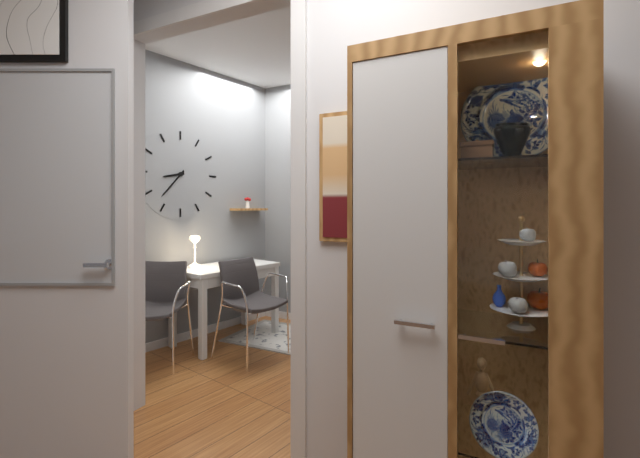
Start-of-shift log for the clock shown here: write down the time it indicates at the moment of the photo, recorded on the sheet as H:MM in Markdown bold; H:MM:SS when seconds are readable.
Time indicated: **8:37**
